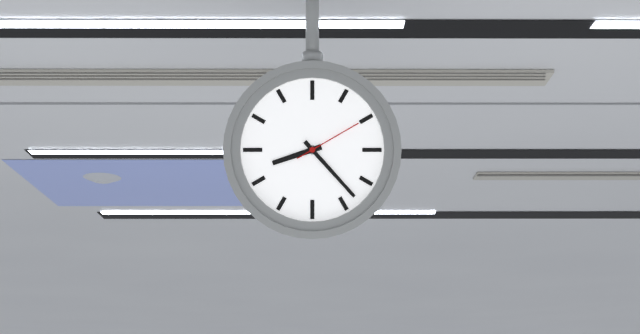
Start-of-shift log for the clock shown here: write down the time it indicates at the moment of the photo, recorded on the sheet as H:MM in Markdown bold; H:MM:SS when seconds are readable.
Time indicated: **8:23:10**
